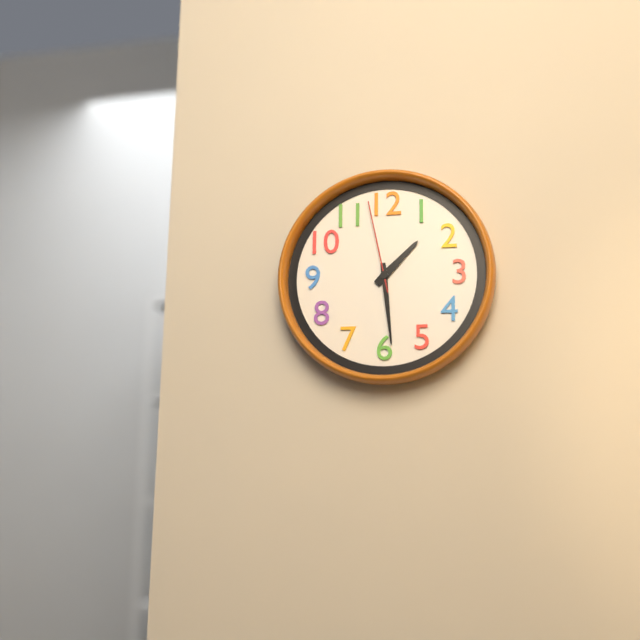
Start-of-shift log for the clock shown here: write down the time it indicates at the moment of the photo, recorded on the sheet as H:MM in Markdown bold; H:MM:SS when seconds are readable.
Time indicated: **1:29:58**
